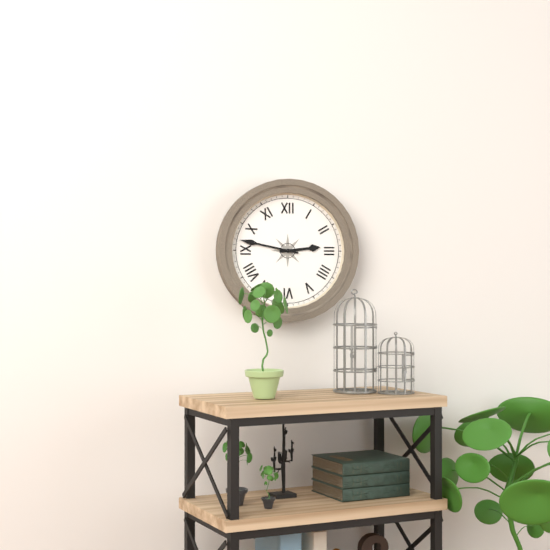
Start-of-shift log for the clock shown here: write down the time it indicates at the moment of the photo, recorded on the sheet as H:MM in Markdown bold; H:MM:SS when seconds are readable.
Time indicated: **2:47**
